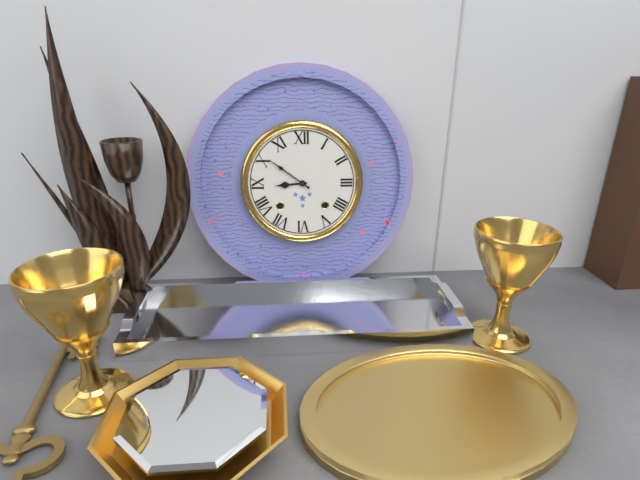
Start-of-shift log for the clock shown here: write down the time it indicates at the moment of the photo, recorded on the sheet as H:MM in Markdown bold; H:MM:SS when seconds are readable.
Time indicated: **8:51**
